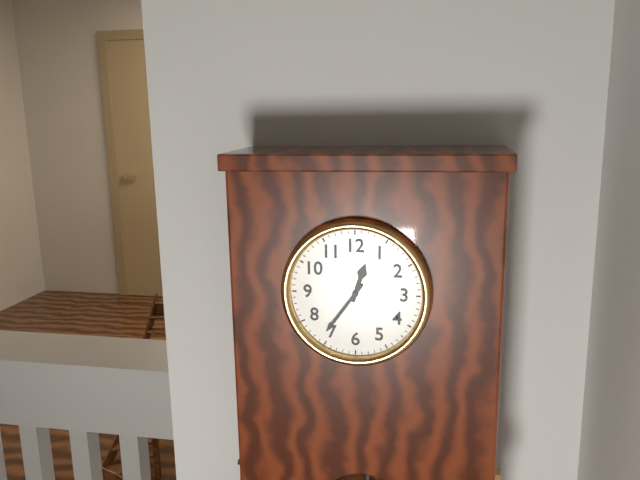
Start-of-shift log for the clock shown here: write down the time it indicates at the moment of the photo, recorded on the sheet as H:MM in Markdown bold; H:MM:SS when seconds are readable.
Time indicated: **12:36**
